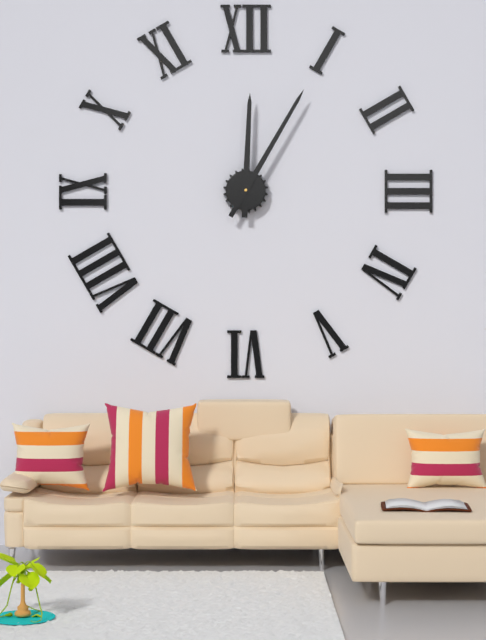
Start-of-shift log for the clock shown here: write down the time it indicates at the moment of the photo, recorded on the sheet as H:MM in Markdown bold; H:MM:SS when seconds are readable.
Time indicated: **12:05**
